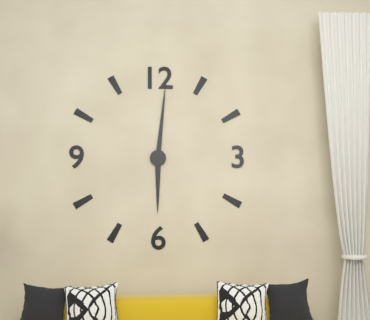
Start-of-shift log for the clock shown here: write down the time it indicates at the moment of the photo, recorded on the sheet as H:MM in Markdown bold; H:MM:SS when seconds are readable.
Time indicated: **6:01**
